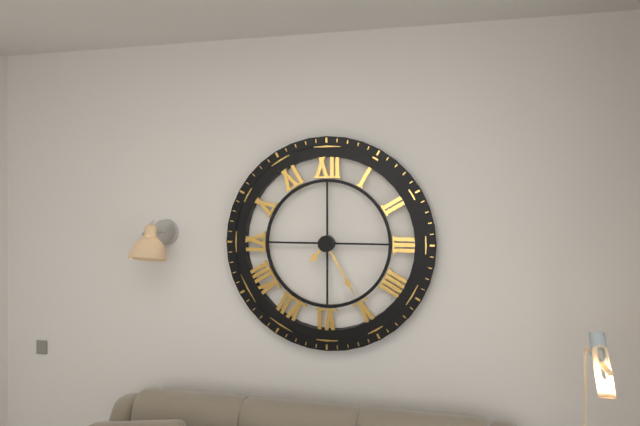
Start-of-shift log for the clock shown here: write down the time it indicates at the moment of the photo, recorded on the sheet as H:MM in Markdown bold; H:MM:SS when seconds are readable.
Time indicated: **7:25**
